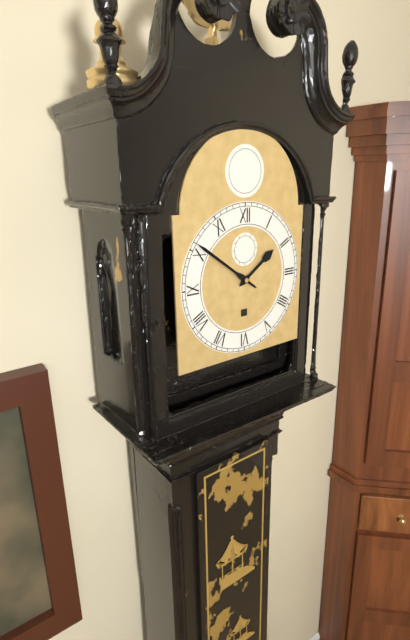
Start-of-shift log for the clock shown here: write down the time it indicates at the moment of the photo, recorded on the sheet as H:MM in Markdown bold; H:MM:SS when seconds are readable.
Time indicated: **1:51**
